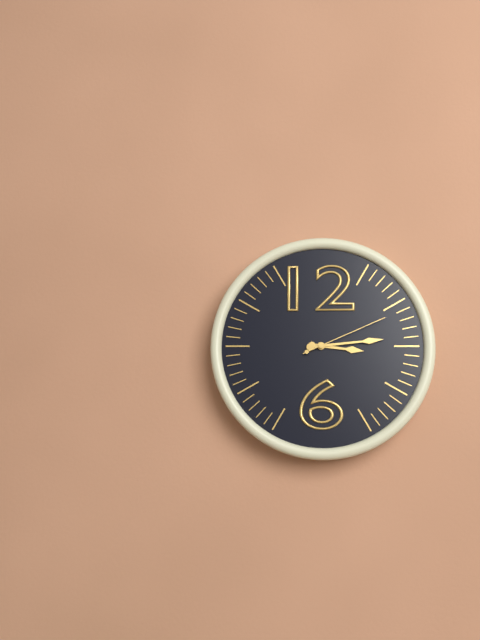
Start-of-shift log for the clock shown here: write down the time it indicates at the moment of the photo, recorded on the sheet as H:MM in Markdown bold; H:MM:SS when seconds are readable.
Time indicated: **3:14:11**
